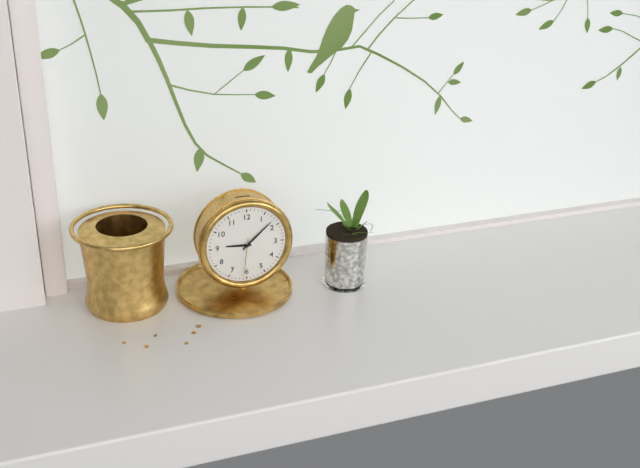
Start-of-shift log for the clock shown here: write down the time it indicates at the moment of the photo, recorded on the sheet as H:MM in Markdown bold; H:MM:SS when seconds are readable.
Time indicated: **9:08**
